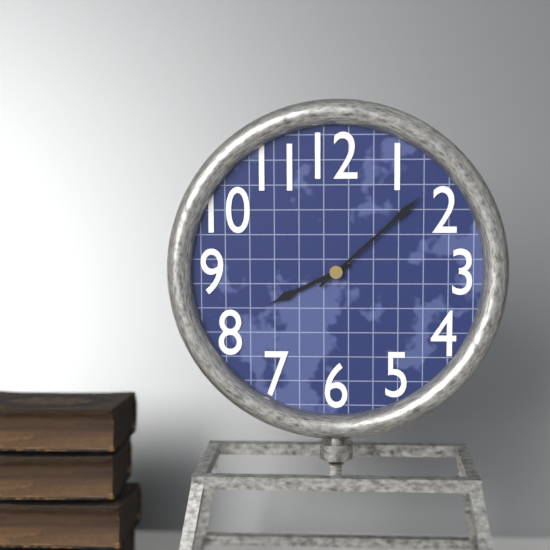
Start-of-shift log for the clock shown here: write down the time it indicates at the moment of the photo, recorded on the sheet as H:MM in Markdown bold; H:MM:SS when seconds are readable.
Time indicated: **8:08**
